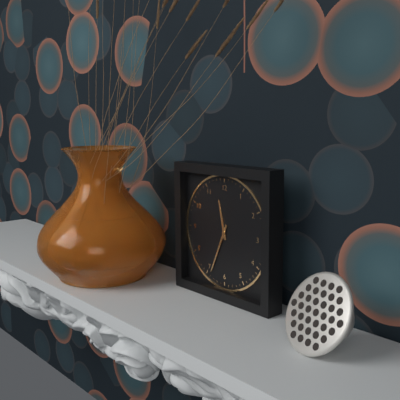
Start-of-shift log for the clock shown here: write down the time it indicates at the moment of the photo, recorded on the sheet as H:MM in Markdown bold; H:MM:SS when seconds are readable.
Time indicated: **11:34**
